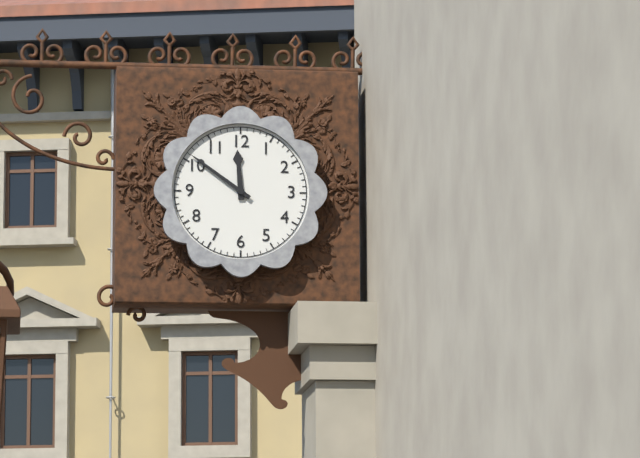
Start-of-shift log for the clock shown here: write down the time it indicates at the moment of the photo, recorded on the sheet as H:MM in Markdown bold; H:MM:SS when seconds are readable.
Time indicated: **11:51**
